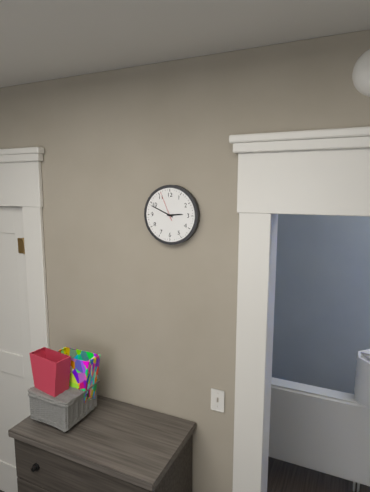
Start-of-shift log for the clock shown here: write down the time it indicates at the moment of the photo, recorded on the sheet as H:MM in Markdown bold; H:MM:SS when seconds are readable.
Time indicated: **2:49**
